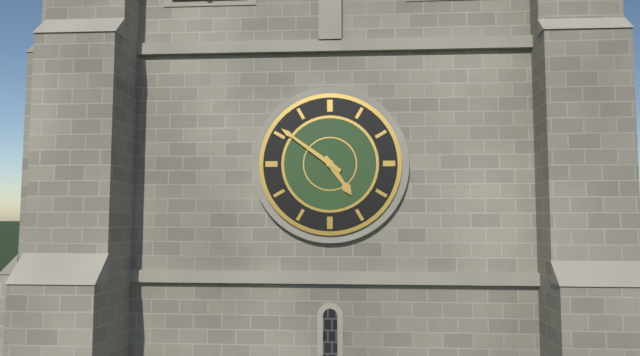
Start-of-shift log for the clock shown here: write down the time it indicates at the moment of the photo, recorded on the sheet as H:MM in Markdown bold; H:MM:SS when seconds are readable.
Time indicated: **4:51**
